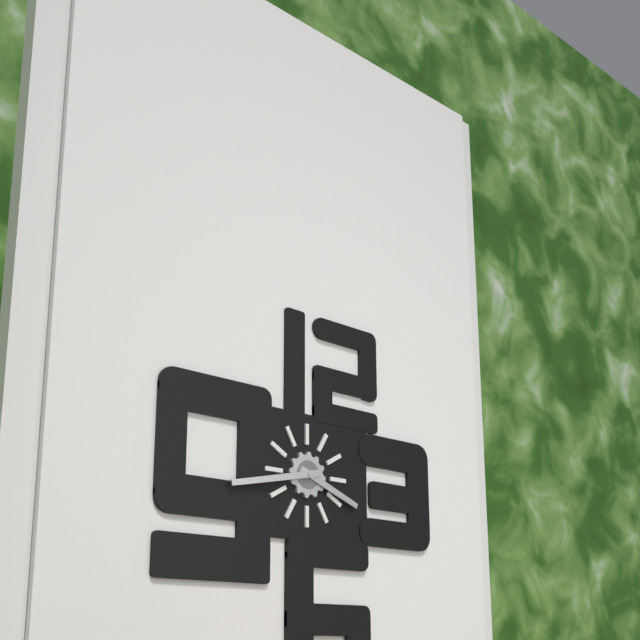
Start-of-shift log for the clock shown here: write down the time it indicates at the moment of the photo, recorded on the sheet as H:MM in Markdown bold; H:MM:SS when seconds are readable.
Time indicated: **3:43**
